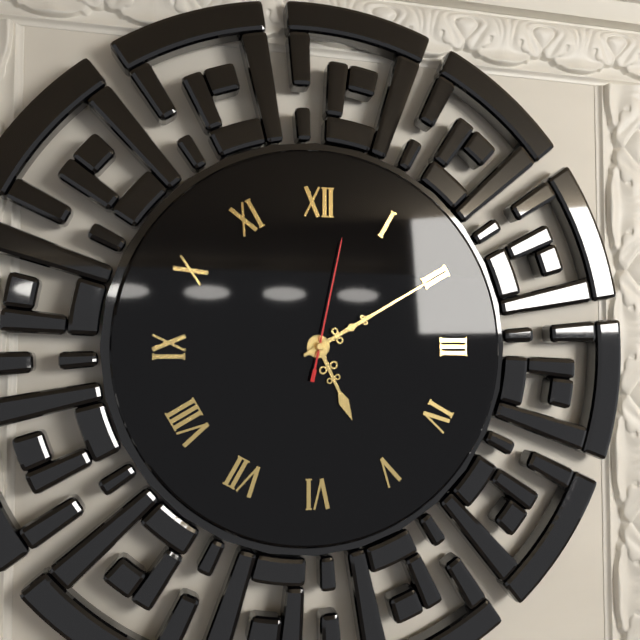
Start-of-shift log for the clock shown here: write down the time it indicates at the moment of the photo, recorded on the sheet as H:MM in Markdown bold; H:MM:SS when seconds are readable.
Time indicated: **5:10:02**
